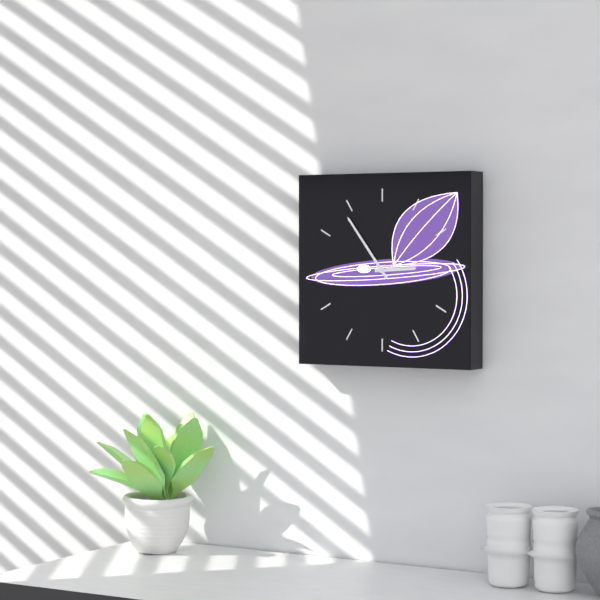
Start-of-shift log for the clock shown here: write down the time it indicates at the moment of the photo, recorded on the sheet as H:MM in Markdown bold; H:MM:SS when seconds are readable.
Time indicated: **2:54**
